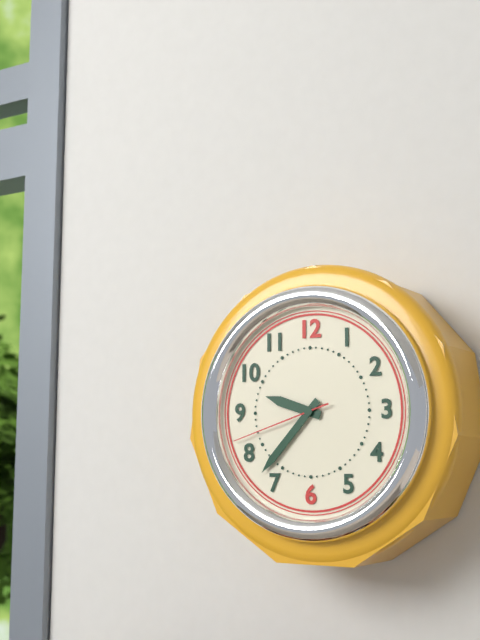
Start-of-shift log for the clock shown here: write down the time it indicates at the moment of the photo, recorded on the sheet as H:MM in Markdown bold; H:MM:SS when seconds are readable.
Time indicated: **9:37:42**
